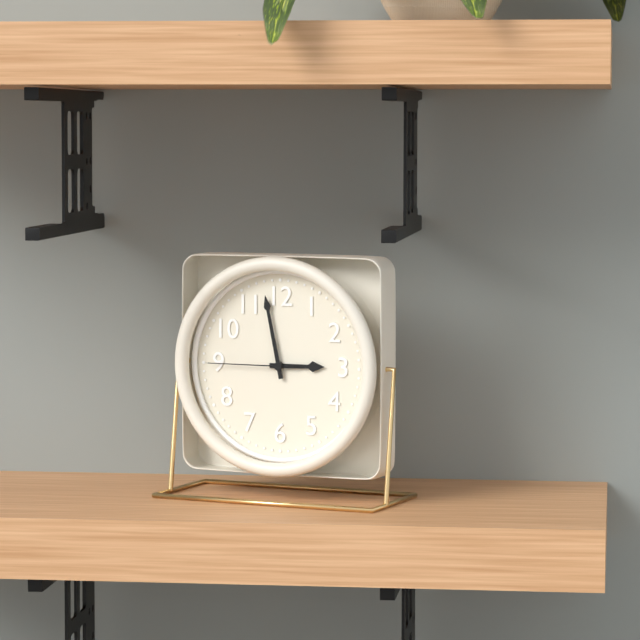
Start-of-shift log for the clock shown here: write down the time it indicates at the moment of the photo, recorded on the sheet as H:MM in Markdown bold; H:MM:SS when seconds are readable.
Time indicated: **2:58:45**
